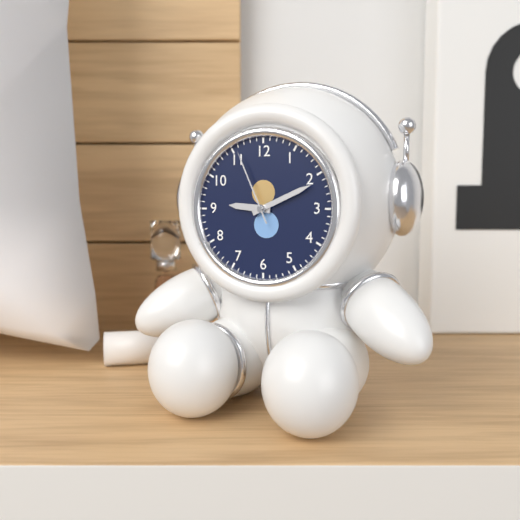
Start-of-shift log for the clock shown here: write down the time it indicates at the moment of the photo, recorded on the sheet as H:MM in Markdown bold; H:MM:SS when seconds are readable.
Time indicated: **9:11:56**
